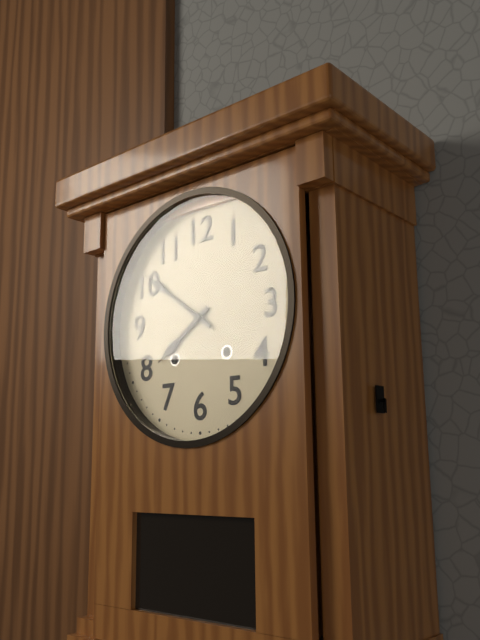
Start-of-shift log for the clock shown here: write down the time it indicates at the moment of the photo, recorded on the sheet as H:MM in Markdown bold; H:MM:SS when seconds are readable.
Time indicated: **7:51**
